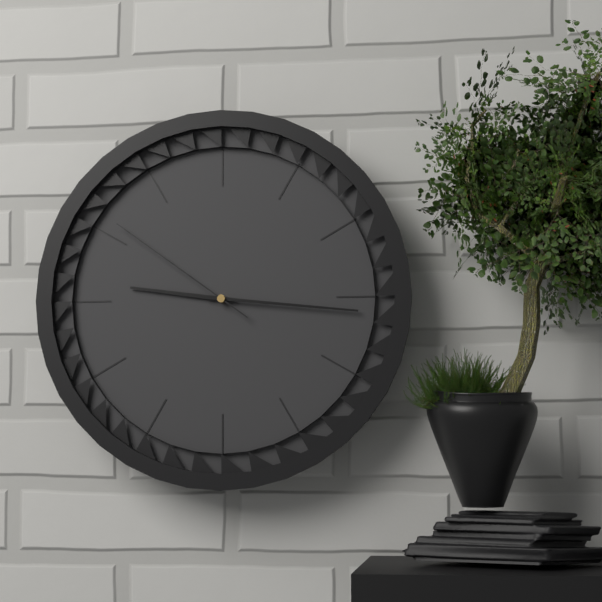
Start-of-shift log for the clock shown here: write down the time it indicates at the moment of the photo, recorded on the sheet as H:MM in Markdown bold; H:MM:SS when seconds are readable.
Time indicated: **9:16:51**
